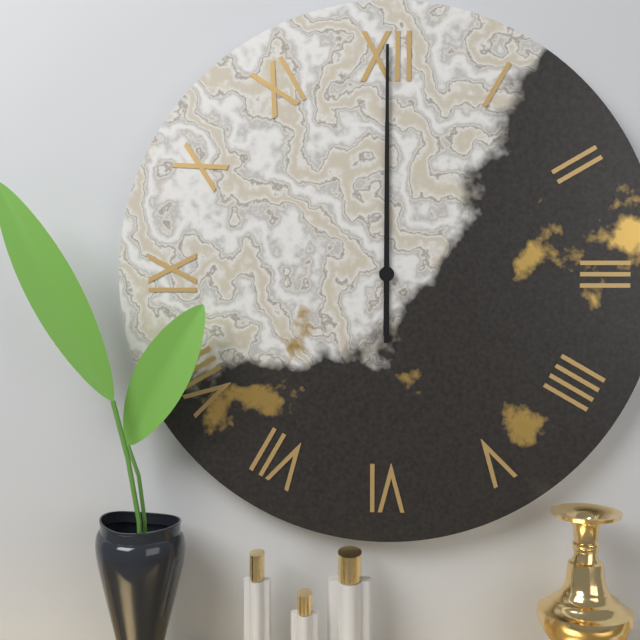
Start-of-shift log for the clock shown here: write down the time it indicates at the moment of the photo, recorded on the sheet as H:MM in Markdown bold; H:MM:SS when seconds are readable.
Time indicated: **12:00**
